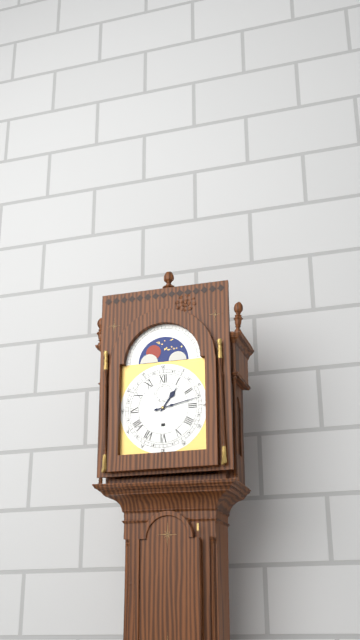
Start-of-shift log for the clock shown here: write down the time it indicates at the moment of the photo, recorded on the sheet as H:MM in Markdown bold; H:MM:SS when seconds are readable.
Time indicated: **1:13**
